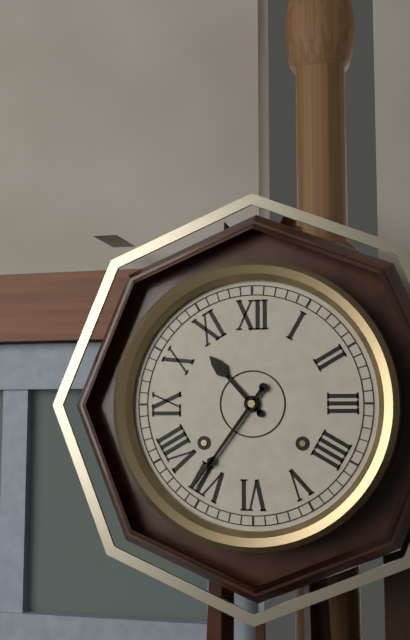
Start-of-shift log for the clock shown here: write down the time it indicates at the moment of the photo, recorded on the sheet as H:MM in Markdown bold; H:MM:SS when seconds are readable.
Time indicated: **10:36**
